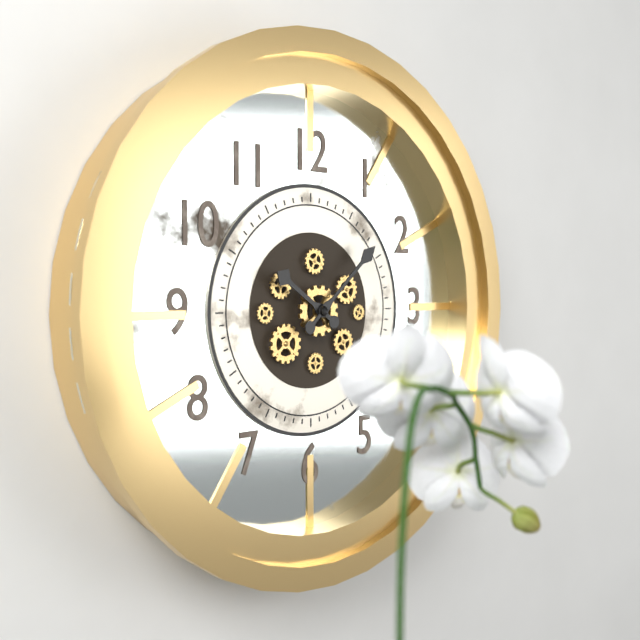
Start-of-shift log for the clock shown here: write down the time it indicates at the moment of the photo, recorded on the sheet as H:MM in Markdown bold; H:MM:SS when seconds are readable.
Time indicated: **10:08**
